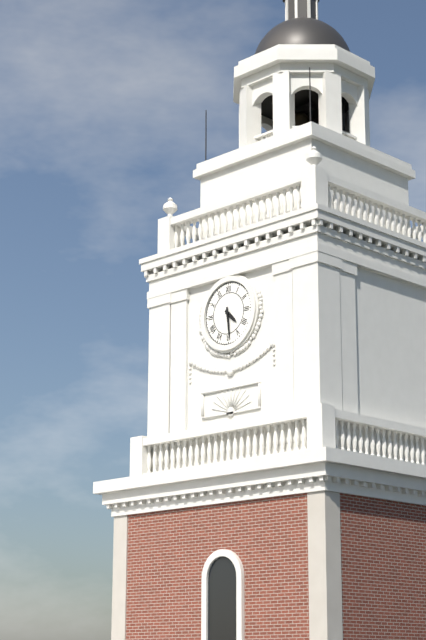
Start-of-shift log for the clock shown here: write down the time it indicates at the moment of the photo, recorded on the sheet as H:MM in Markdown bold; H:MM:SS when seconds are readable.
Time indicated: **4:29**
